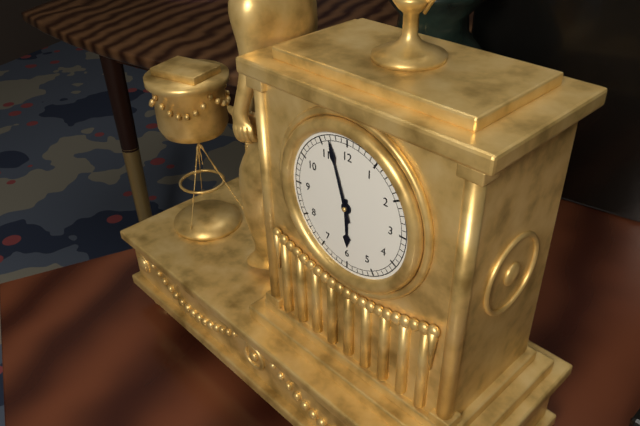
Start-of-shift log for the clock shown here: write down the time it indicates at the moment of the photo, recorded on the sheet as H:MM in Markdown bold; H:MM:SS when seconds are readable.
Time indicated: **5:57**
